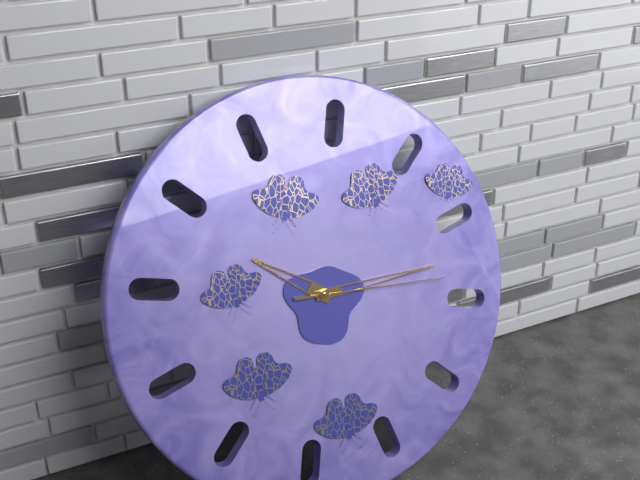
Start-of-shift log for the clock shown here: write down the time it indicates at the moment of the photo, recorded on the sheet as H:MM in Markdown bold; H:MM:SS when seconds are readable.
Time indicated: **10:15:16**
